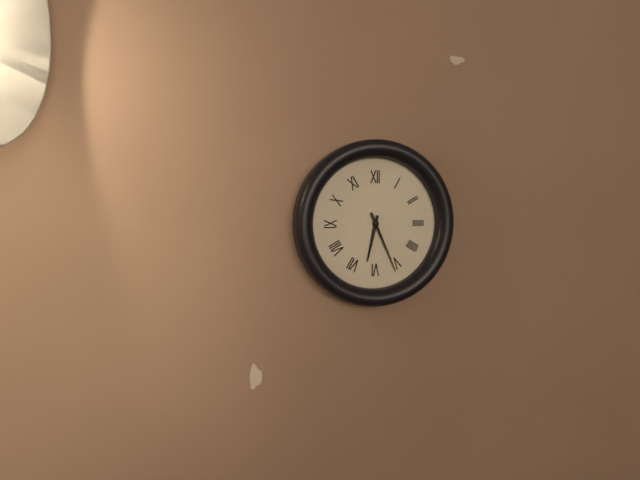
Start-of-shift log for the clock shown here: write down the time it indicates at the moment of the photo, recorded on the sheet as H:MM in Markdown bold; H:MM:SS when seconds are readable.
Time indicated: **6:26**
